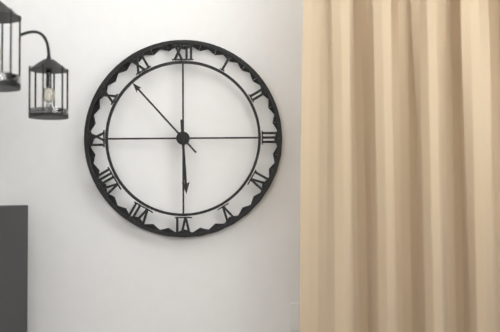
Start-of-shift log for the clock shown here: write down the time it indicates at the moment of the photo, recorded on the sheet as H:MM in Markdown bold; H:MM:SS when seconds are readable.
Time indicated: **5:53**
